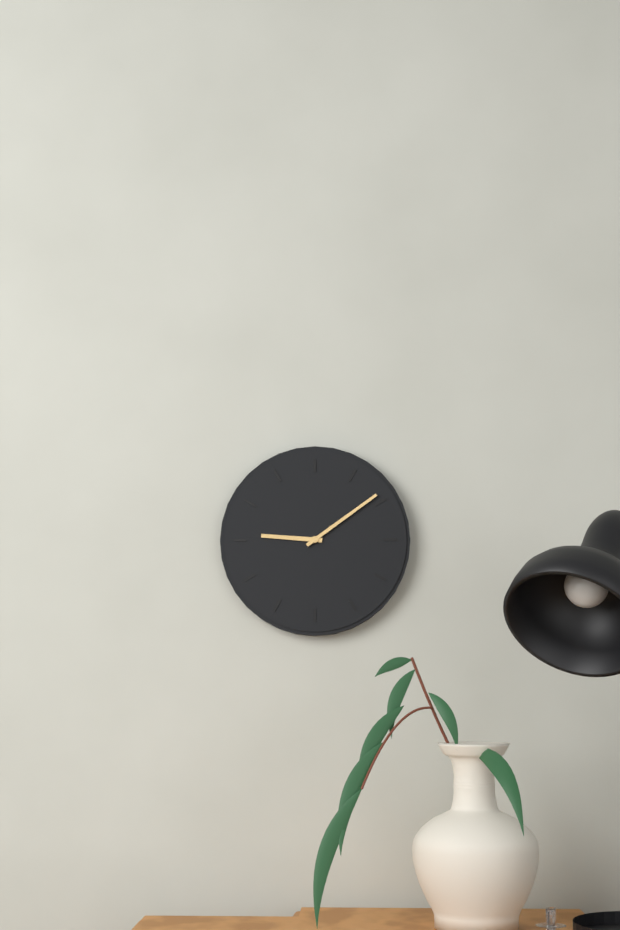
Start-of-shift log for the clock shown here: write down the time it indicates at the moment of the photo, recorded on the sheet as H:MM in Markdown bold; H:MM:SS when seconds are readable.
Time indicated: **9:09**
